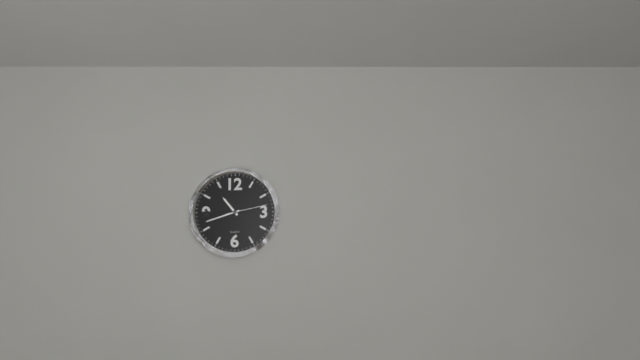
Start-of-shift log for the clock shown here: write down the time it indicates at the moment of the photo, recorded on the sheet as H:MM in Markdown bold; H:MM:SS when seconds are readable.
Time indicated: **10:42**
